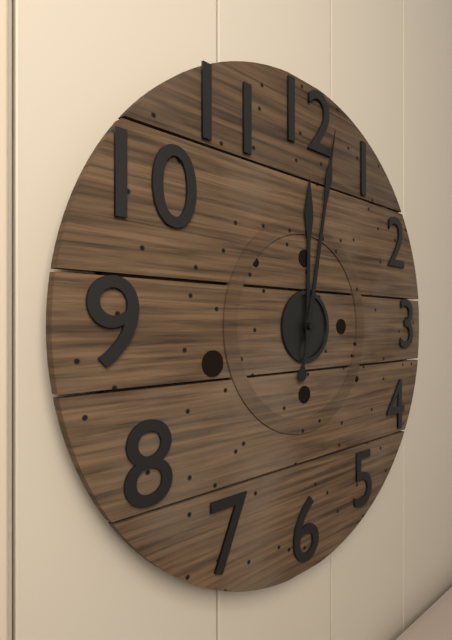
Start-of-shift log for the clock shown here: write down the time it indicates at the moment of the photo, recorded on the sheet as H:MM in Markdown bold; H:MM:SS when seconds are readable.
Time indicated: **12:02**
